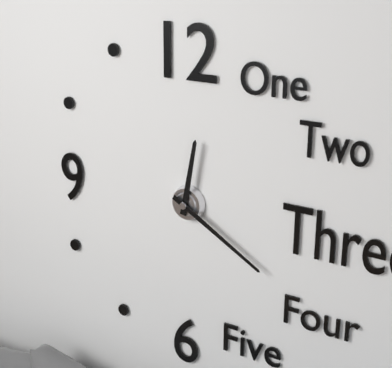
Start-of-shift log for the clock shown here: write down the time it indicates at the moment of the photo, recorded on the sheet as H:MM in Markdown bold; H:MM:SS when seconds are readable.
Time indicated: **12:20**
